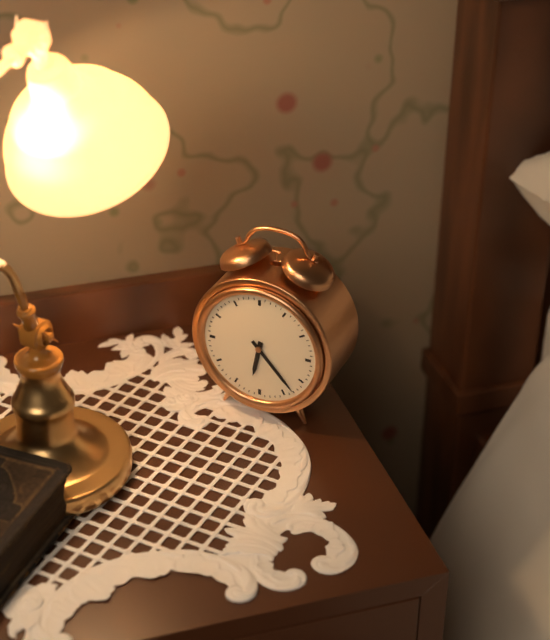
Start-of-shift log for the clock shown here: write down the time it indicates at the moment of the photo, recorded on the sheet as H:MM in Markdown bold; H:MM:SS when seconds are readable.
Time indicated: **6:23**
